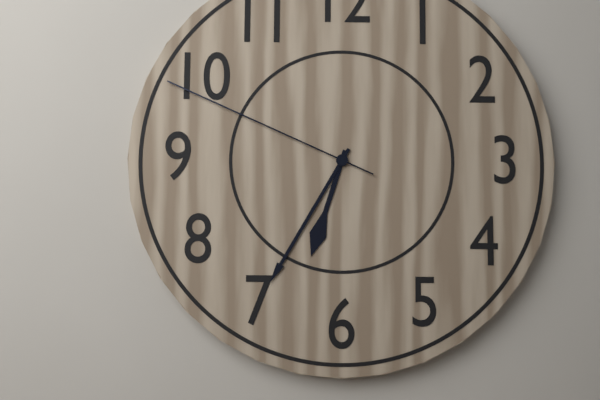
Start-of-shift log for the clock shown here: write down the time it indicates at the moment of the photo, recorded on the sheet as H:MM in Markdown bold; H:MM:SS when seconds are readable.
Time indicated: **6:35:49**
